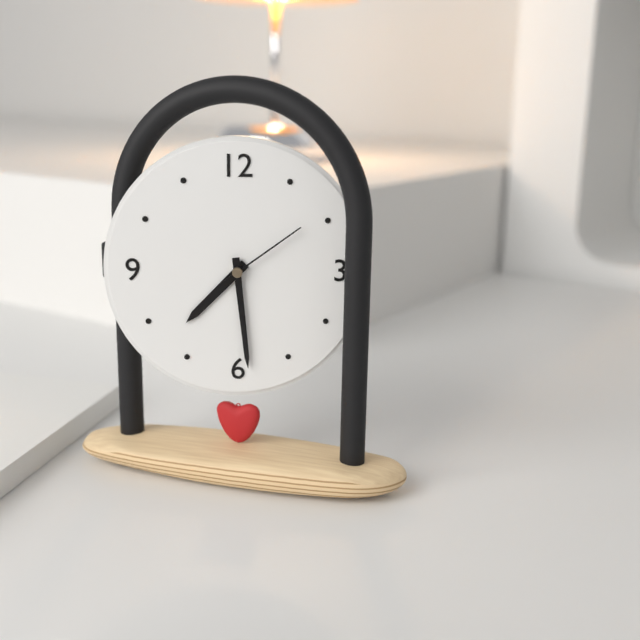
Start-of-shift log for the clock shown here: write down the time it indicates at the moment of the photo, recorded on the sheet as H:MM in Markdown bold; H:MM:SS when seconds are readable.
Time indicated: **7:29:09**
